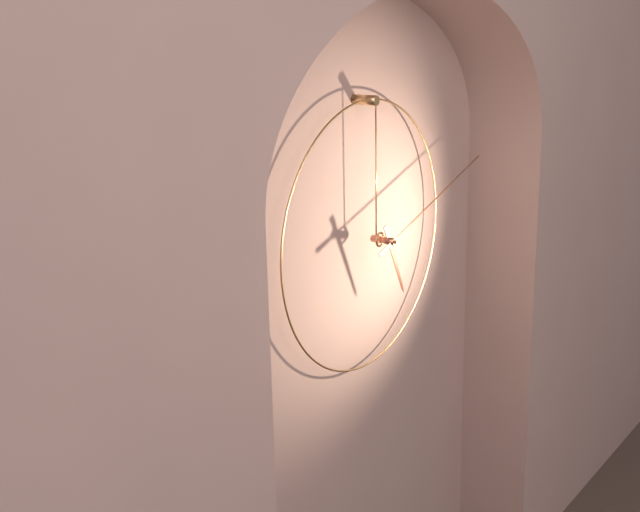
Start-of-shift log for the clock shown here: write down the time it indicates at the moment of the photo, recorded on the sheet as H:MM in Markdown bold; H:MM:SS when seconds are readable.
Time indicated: **5:12**
